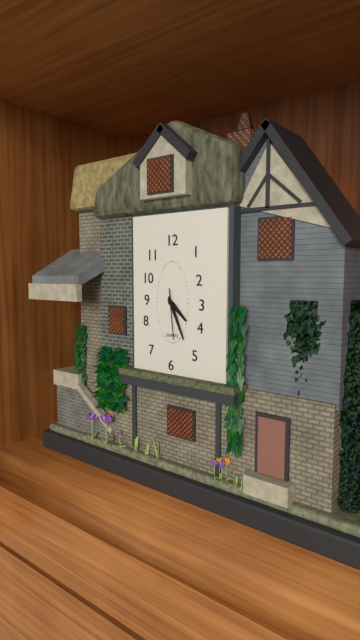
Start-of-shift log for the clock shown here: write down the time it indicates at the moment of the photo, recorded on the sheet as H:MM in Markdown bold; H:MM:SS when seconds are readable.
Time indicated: **4:26**
